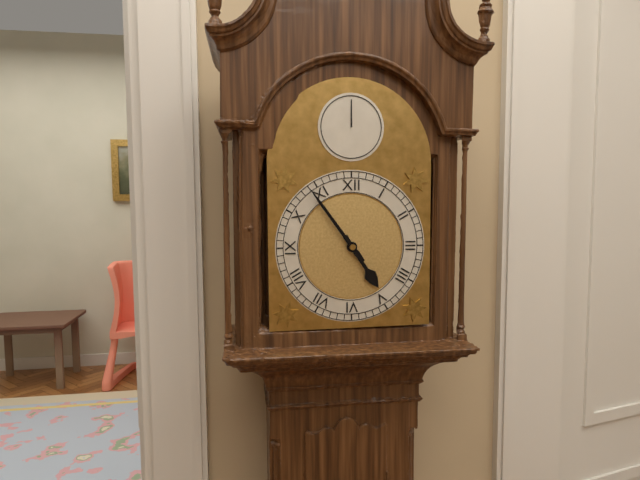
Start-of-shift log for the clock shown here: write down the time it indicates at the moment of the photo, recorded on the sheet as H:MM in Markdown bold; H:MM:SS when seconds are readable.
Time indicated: **4:54**
